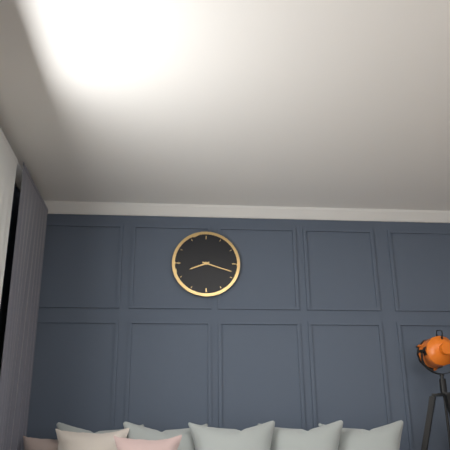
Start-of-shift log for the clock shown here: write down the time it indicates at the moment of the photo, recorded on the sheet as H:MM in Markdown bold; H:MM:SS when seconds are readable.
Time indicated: **8:18**
